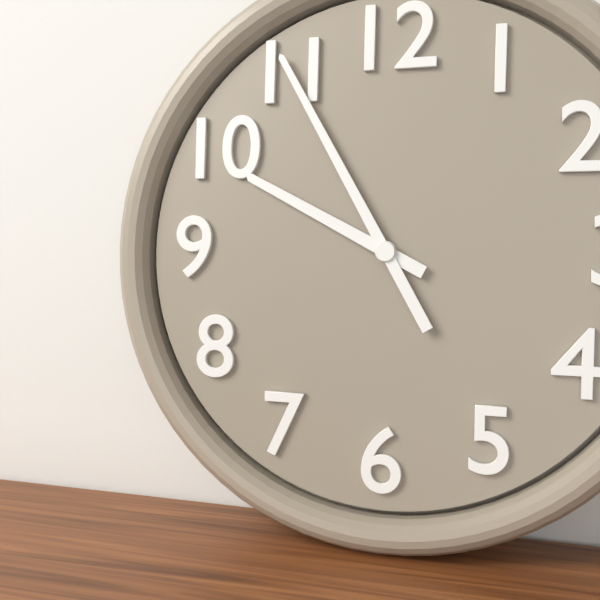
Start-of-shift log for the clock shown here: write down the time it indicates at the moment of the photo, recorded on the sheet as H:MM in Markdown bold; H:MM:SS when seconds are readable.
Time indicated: **9:55**
